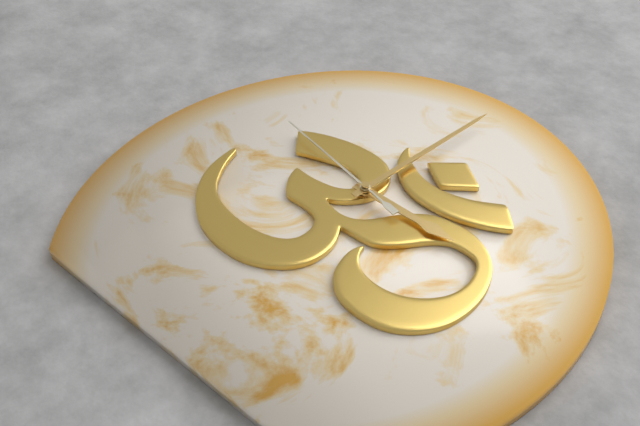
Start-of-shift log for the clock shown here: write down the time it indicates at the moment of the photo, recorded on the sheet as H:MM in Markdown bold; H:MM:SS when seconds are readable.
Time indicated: **3:01:47**
